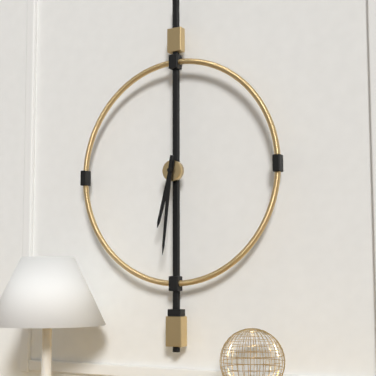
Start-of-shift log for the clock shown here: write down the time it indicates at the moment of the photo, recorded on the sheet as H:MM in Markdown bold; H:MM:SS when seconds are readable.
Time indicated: **6:31**
